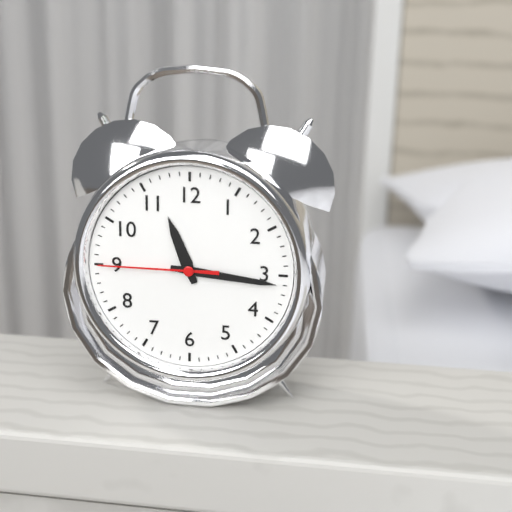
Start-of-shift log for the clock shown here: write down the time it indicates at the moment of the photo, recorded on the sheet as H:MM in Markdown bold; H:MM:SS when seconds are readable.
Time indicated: **11:16:45**
